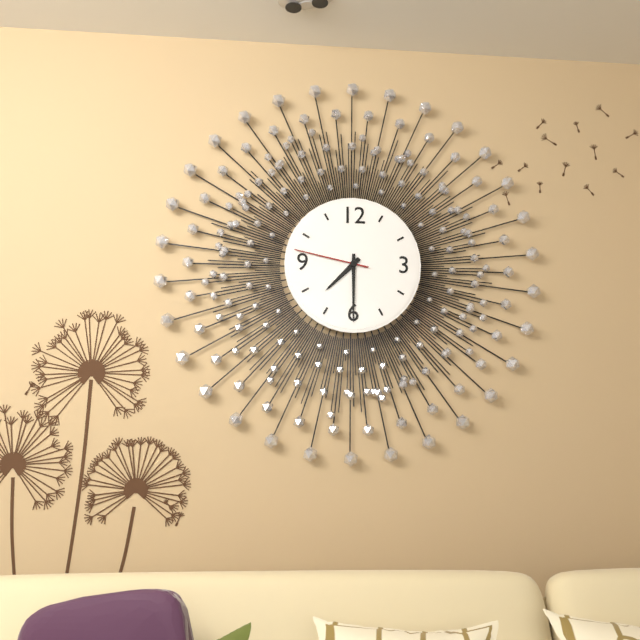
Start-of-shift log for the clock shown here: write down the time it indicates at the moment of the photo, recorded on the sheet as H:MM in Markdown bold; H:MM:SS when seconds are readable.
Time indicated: **7:30:47**
